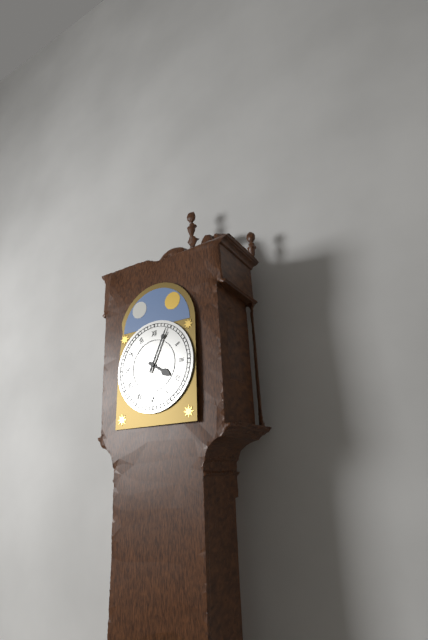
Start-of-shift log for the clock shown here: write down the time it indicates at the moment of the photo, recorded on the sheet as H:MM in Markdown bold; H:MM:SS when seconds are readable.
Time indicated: **4:04**
